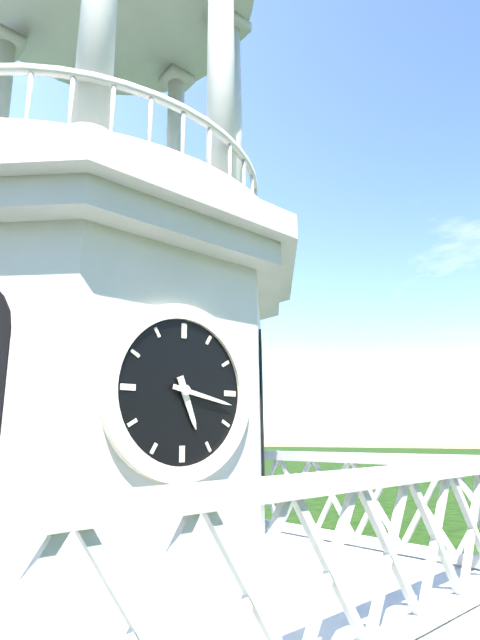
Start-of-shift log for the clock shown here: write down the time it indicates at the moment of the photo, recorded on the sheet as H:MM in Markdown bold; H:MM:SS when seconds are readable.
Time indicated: **5:17**
